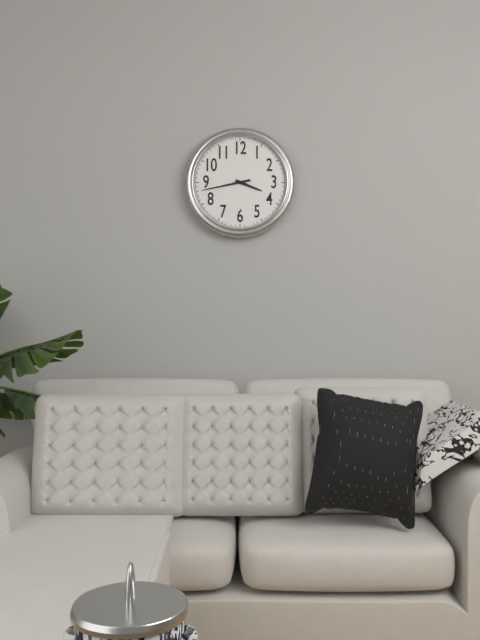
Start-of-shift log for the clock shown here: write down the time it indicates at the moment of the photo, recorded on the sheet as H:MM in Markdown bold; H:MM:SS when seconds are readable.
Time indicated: **3:43**
